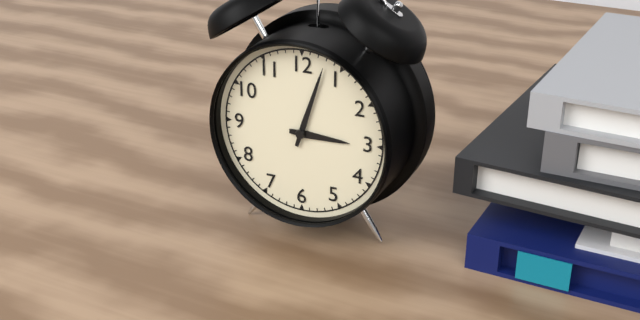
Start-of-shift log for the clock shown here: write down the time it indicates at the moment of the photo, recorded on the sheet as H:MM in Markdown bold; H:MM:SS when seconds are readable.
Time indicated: **3:03**
